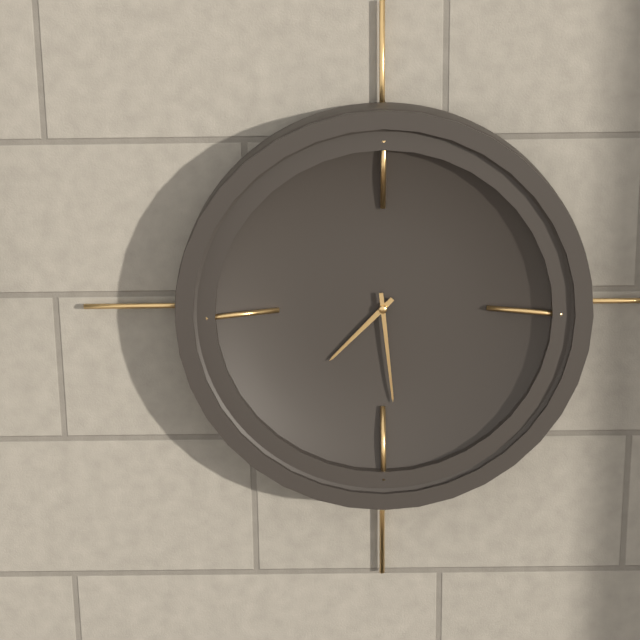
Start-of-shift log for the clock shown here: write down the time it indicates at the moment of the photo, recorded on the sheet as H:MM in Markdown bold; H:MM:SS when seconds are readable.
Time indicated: **7:29**
